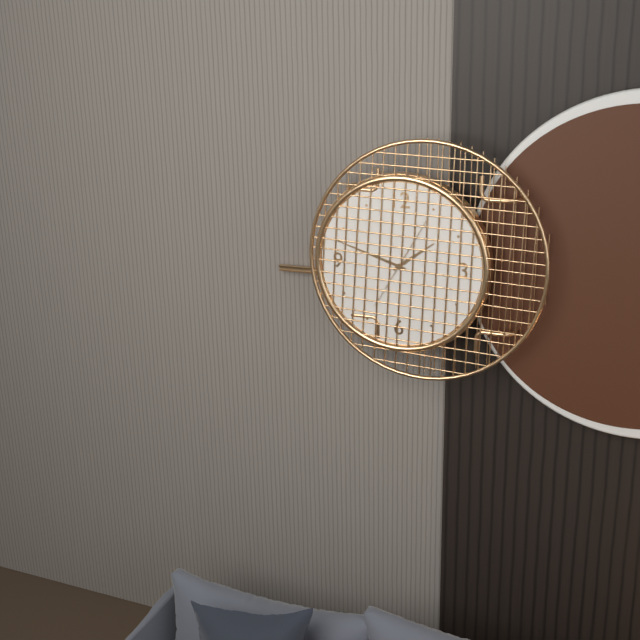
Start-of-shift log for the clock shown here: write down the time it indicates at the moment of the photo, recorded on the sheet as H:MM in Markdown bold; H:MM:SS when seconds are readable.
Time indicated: **1:48:05**
